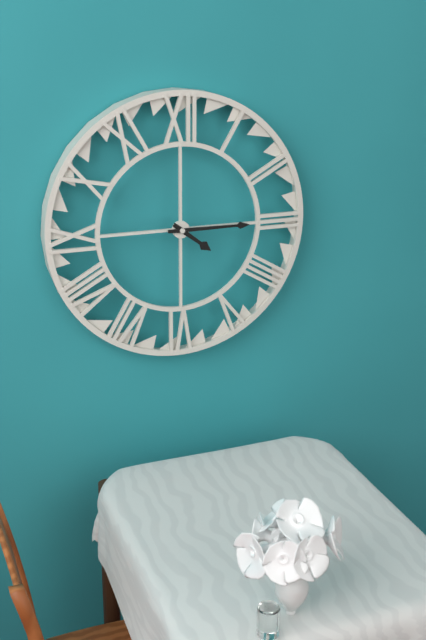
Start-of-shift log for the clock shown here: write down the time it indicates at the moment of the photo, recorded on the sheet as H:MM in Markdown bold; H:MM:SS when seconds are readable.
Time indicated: **4:15**
